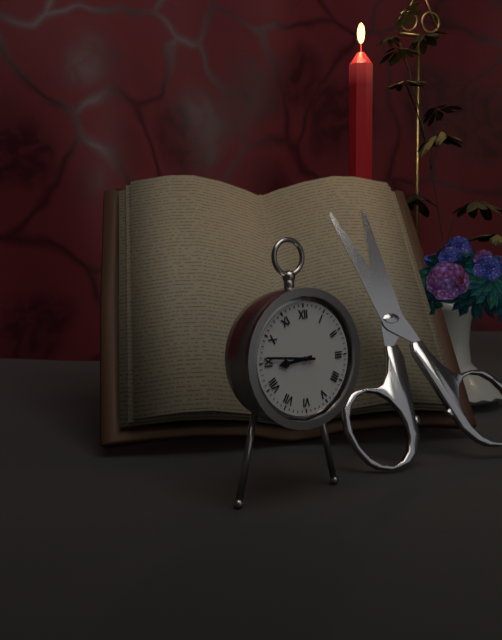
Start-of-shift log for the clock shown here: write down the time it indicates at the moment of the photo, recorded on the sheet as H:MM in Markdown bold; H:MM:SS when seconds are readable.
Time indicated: **8:46**
